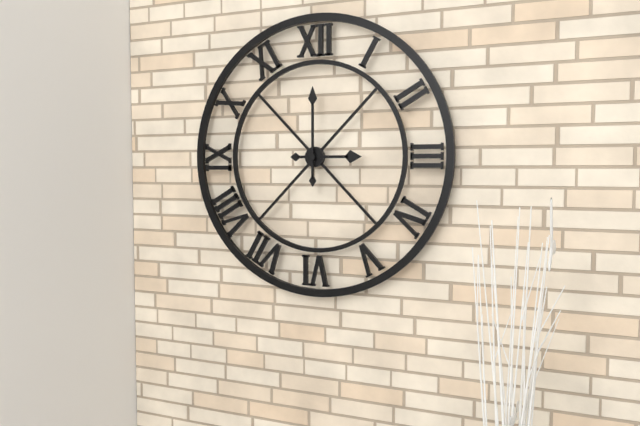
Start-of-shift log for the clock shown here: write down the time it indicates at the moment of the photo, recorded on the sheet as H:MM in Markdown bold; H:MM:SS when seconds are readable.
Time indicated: **3:00**
